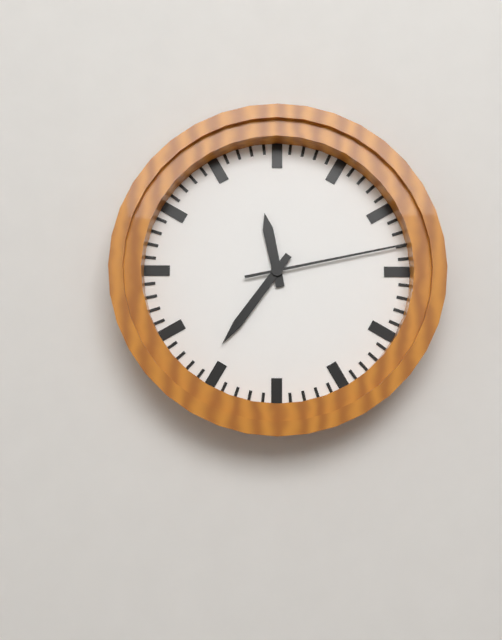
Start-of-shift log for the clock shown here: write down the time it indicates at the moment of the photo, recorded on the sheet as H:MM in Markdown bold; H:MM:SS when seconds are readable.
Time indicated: **11:36:13**
